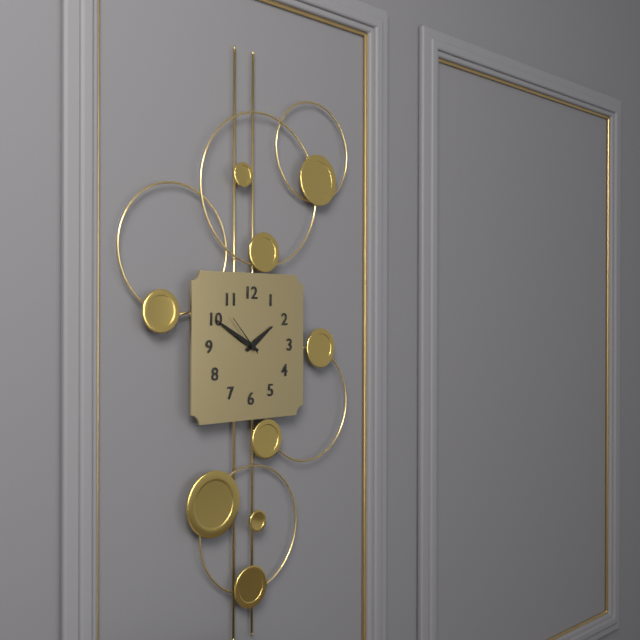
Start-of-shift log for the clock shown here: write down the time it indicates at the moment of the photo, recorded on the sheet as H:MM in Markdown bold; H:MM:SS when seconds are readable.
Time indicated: **1:50**
